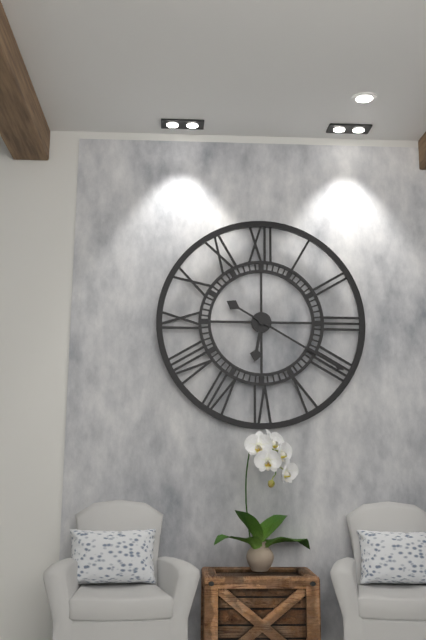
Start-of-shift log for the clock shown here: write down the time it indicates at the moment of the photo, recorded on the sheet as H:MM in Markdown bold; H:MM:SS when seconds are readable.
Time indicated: **6:20**
